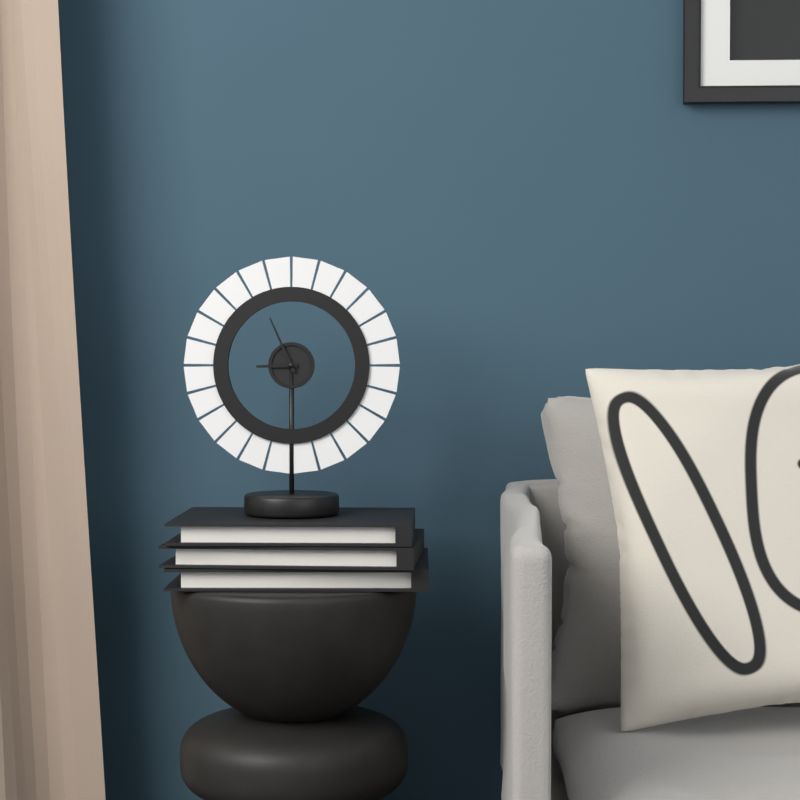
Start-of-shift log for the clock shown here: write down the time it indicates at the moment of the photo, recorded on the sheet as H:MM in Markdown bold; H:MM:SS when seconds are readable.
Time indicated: **8:56**
